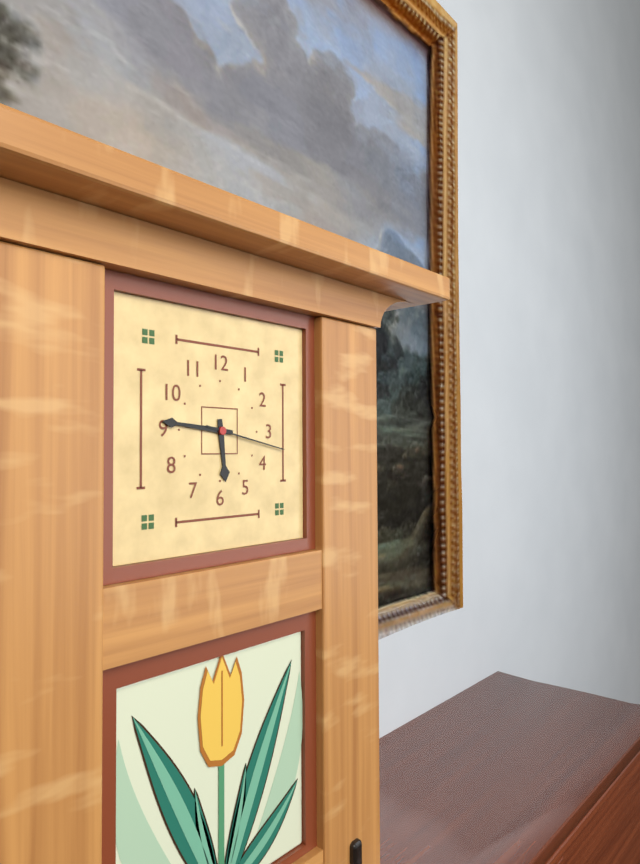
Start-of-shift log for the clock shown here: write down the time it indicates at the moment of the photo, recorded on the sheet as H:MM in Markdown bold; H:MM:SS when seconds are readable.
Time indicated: **5:46:17**
